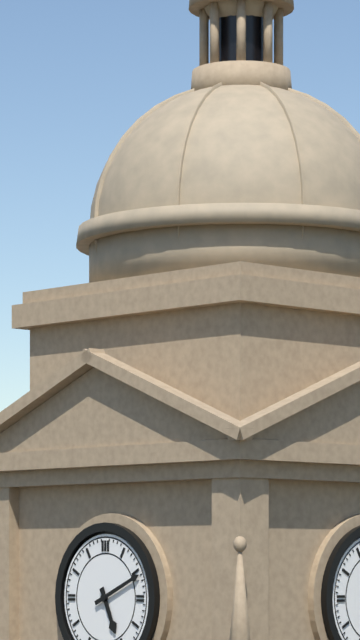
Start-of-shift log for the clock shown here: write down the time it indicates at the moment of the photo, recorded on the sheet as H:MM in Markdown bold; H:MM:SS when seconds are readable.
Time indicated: **5:11**
